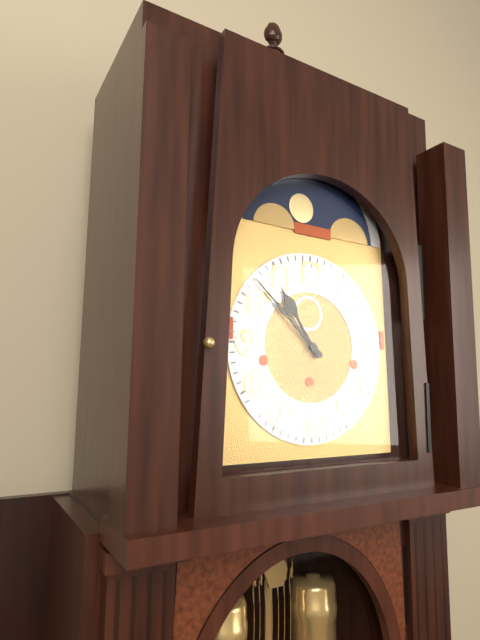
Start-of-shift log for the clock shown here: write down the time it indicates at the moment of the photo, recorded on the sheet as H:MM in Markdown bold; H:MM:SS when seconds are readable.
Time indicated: **10:52**
